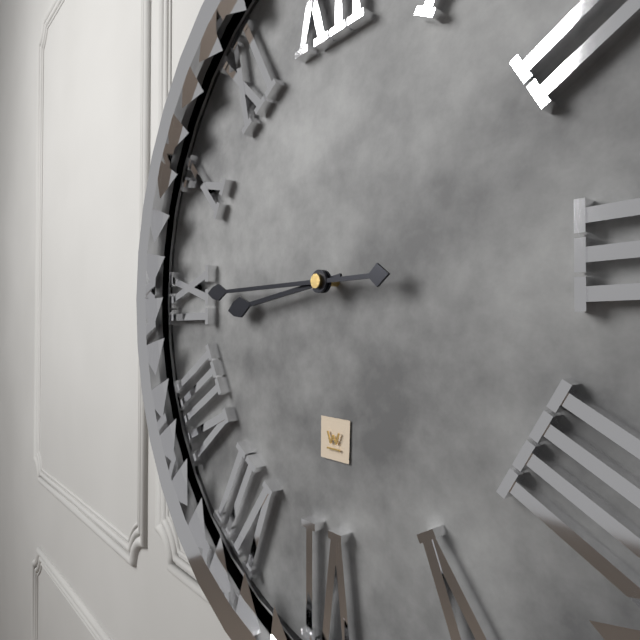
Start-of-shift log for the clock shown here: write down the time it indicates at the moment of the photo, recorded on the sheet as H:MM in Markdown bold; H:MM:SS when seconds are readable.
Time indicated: **8:45**
